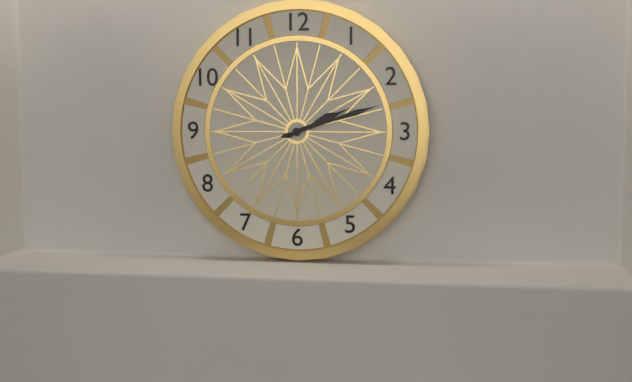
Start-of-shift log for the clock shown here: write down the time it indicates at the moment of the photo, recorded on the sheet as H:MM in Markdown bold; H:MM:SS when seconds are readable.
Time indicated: **2:12**
